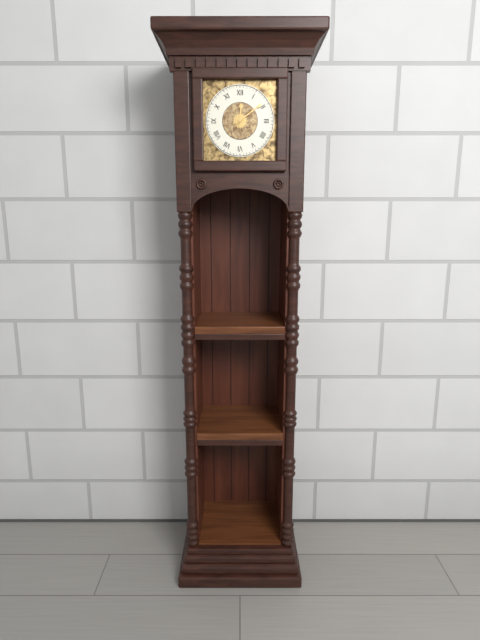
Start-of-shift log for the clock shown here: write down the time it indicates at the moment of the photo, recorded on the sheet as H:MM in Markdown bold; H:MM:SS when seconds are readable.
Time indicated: **12:09**
